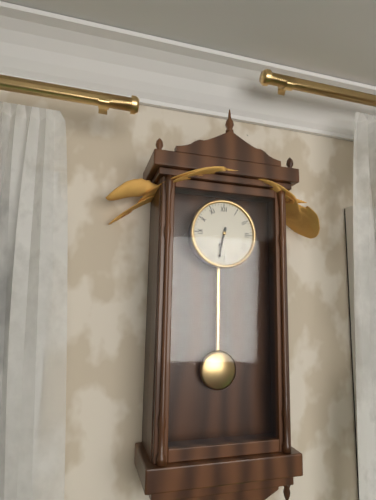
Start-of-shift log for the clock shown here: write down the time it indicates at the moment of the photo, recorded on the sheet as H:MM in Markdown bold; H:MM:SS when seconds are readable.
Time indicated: **6:32**
